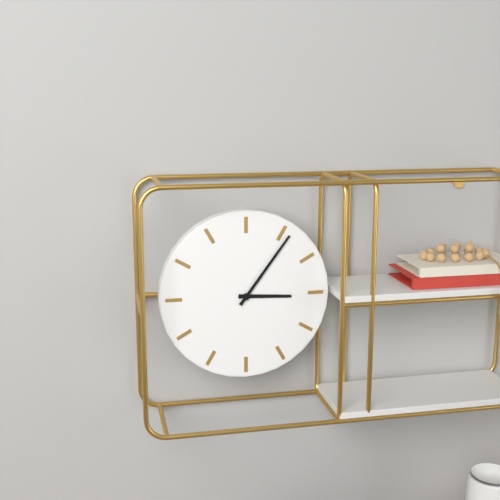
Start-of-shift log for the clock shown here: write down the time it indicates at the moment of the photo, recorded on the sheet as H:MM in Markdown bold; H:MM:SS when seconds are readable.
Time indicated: **3:06**
